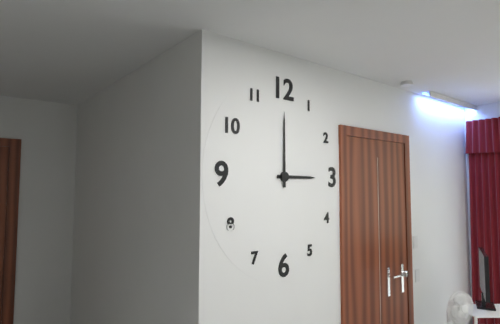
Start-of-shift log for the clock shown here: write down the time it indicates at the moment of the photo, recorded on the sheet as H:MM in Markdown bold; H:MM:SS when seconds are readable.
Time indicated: **3:00**
